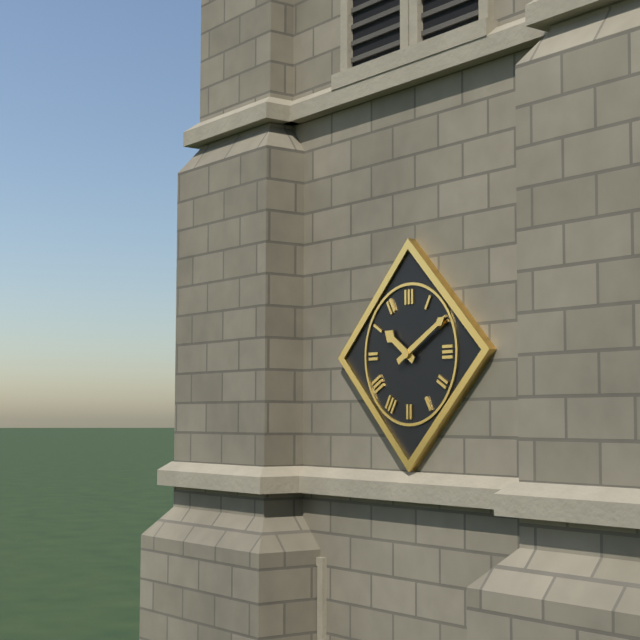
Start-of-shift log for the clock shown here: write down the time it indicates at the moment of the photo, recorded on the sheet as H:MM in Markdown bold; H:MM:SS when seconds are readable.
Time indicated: **10:10**
